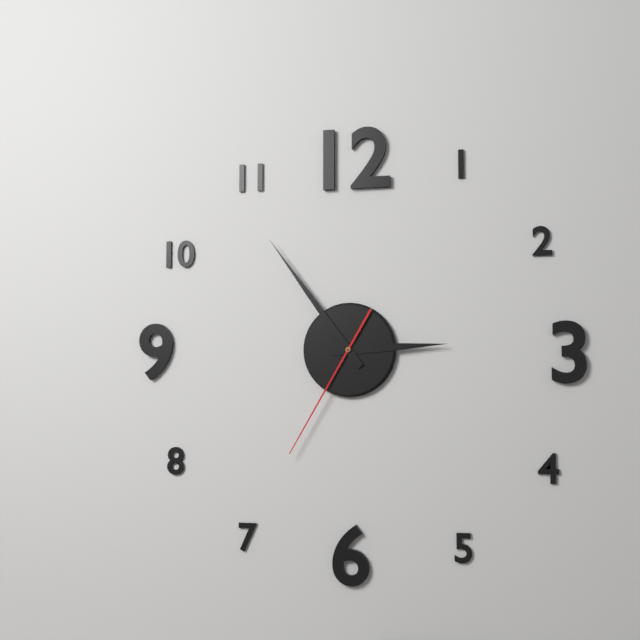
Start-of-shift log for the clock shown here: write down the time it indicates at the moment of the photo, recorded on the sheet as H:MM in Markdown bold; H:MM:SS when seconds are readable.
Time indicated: **2:54:35**
